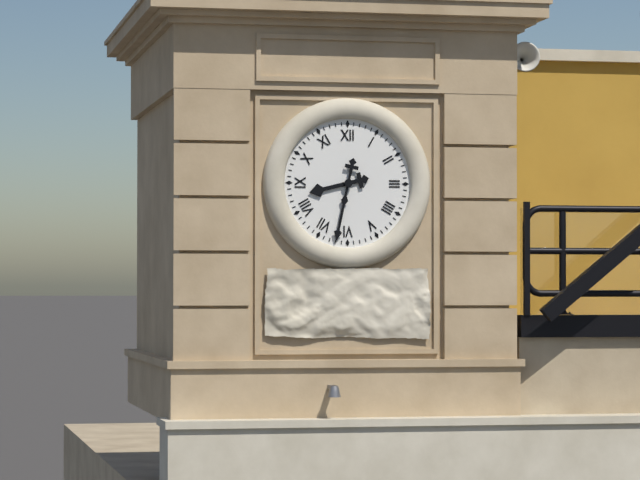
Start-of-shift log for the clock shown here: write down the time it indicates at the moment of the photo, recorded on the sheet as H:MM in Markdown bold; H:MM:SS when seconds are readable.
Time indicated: **8:32**
